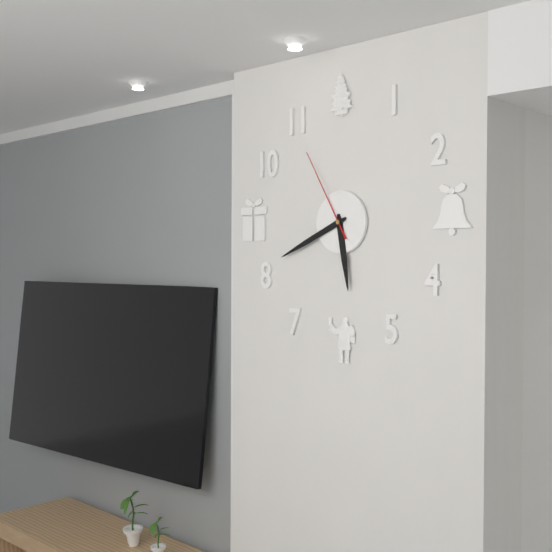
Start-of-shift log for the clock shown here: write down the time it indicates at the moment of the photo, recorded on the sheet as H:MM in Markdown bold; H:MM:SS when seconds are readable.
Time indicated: **5:41:55**
